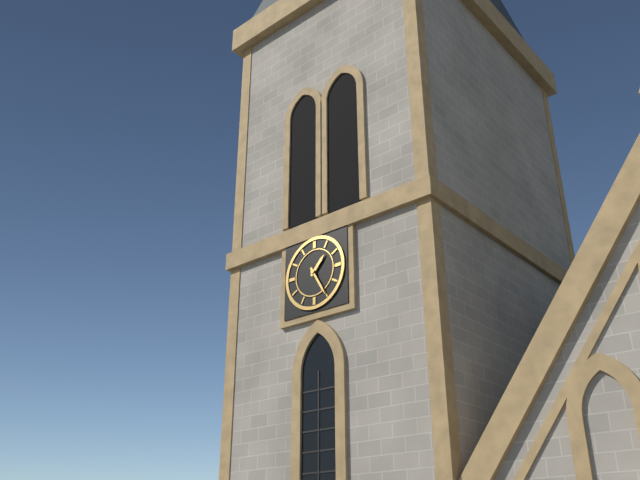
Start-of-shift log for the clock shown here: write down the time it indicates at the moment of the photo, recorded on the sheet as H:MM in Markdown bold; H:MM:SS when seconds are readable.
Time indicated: **1:25**
